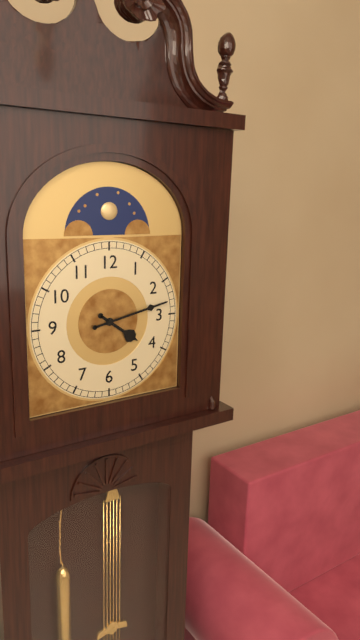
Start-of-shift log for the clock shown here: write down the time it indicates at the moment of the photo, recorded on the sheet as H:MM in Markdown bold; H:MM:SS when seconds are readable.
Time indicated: **4:13**
